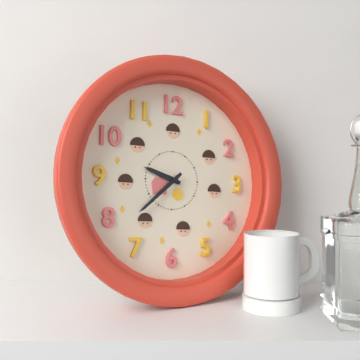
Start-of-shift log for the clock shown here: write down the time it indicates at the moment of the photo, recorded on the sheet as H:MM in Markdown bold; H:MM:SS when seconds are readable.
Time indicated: **9:38**
